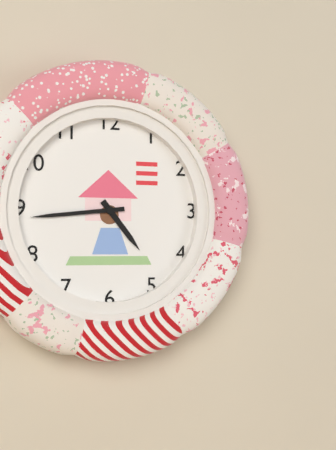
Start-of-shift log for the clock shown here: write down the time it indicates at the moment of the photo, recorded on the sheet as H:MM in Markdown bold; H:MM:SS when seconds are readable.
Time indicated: **4:44**
